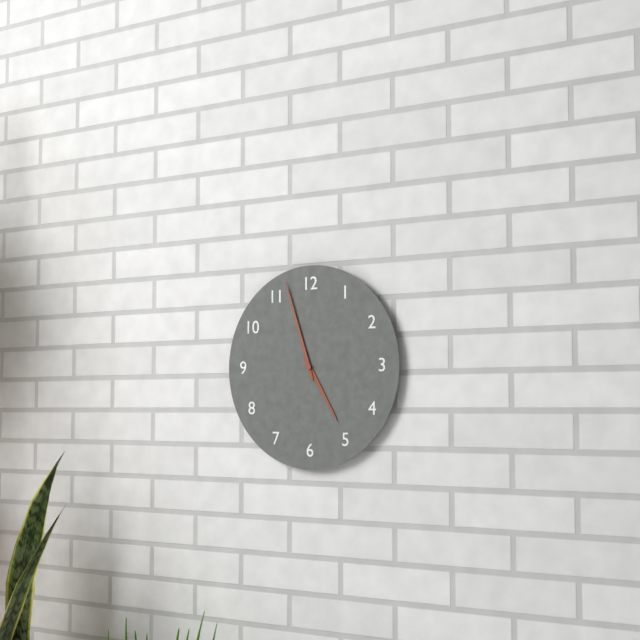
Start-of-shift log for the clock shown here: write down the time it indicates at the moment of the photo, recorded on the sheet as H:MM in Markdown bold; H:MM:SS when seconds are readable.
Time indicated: **4:57**
